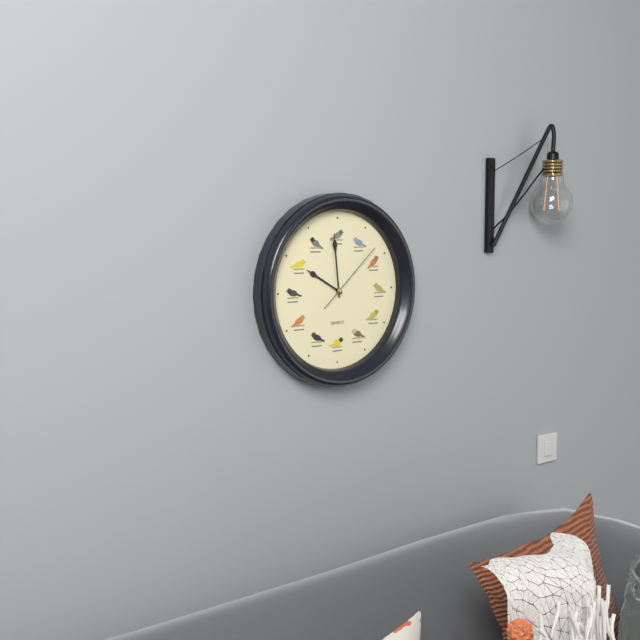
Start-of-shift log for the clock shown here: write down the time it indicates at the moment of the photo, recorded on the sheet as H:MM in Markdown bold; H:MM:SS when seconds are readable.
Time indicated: **9:59:08**
